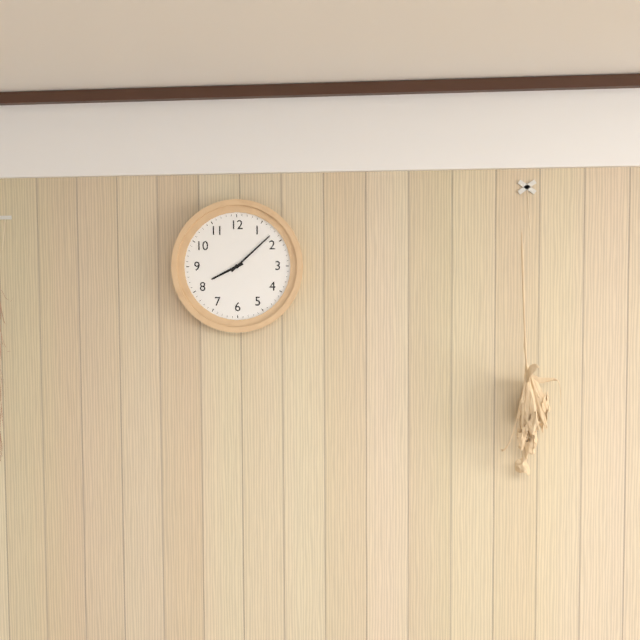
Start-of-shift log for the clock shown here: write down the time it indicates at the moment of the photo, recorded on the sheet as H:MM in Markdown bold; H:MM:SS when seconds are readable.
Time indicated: **8:08**
